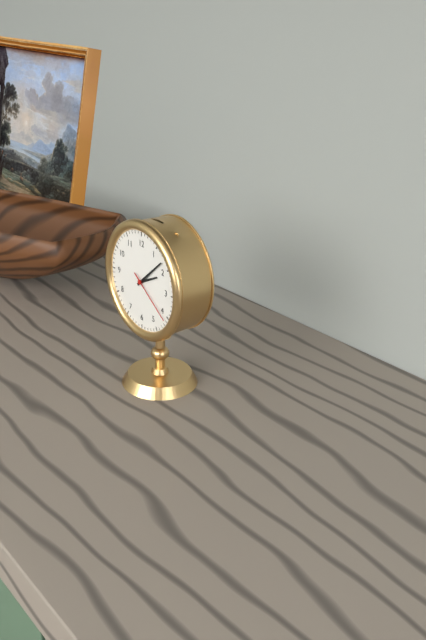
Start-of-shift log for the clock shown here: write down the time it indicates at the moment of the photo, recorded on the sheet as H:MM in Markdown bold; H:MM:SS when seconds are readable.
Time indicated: **2:08:21**
